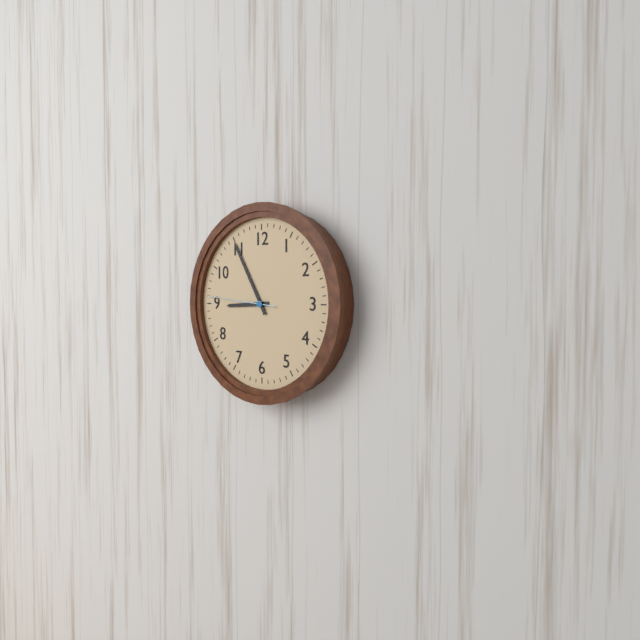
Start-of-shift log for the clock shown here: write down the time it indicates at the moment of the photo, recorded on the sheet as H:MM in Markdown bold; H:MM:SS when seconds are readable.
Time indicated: **8:55:46**
